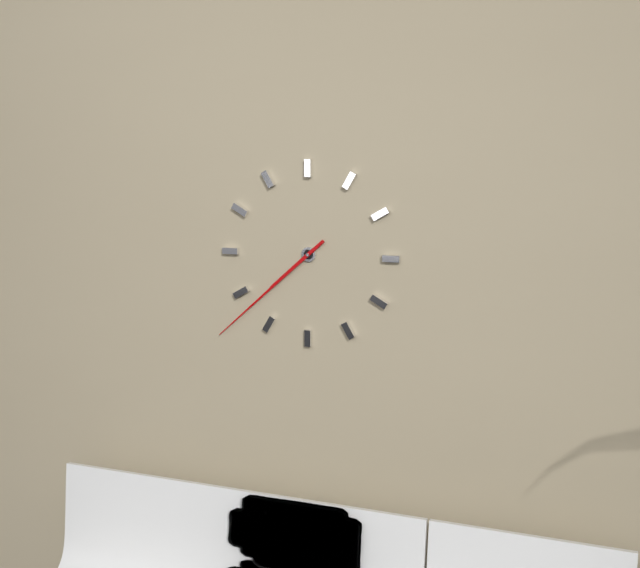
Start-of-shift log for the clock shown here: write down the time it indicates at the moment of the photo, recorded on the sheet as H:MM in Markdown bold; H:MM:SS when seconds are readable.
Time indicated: **7:38**
